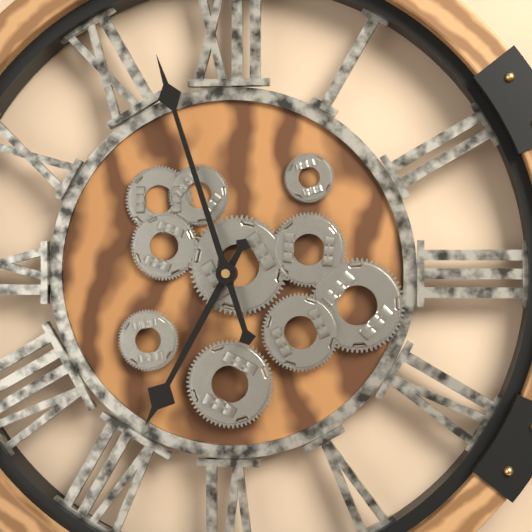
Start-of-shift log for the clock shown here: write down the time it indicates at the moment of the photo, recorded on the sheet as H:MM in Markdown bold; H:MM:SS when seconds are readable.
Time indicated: **6:57**
